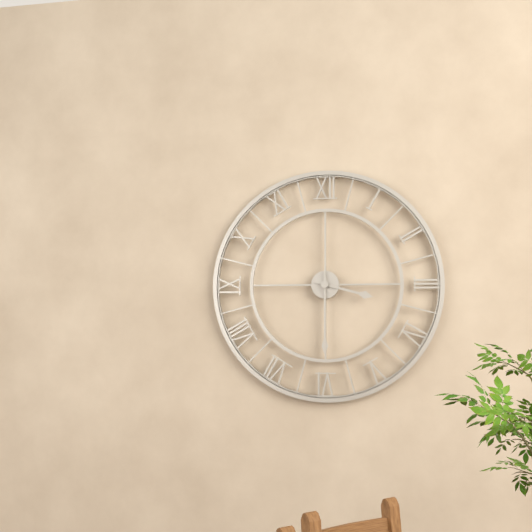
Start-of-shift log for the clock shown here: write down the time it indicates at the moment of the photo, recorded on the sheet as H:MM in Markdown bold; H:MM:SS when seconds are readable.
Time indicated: **3:30**
